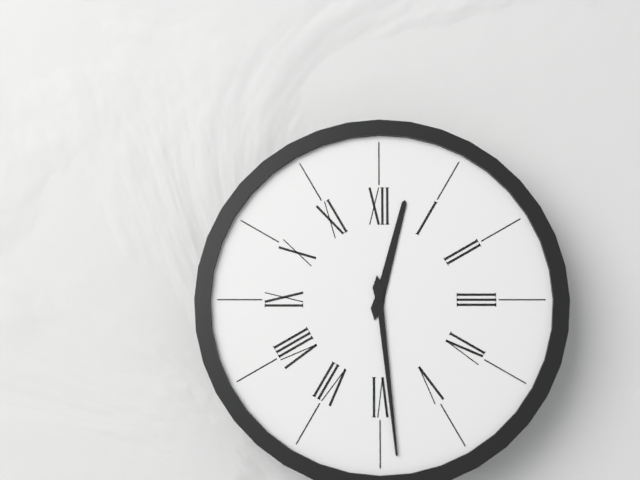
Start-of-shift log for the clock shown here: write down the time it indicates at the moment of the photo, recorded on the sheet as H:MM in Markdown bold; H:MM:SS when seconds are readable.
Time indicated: **12:29**
